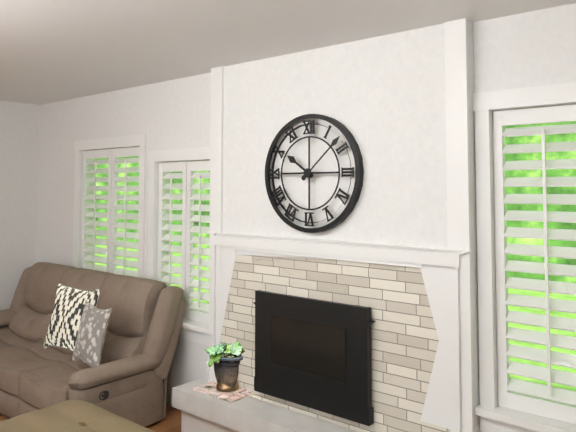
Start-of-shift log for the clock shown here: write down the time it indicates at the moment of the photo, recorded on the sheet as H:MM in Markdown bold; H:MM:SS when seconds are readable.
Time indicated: **10:08**
